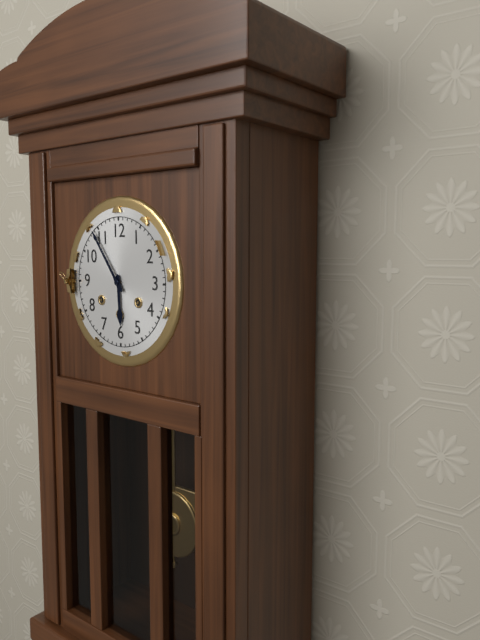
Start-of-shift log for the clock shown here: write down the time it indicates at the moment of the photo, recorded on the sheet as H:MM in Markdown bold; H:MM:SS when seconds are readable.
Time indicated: **5:54**
